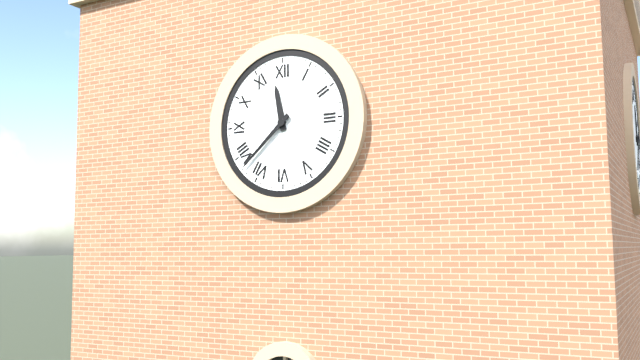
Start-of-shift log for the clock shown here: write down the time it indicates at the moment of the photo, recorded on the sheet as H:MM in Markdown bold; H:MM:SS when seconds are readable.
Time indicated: **11:38**
